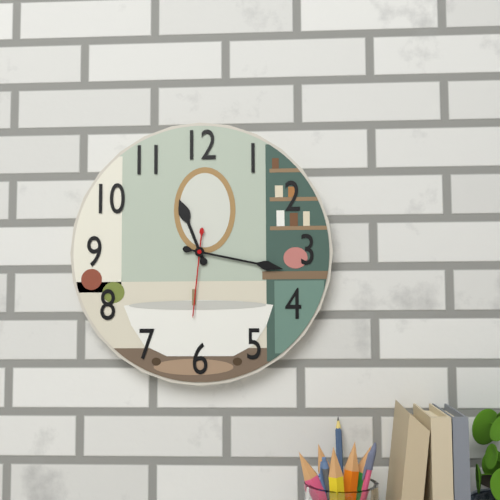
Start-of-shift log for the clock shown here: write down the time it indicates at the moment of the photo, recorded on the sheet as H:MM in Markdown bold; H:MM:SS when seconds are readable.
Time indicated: **11:17:31**
